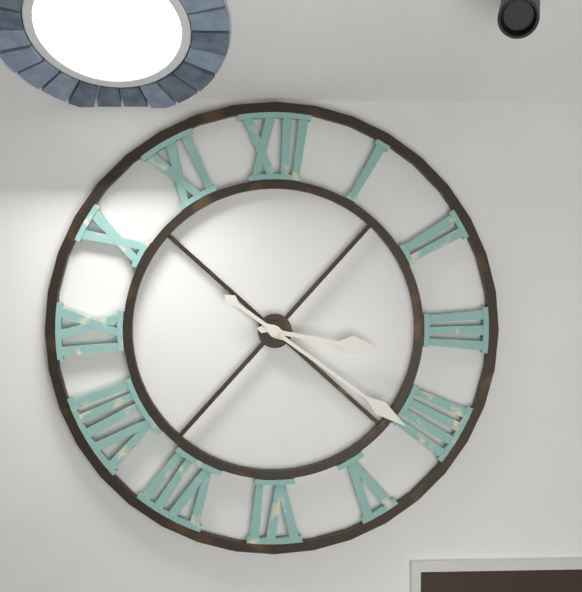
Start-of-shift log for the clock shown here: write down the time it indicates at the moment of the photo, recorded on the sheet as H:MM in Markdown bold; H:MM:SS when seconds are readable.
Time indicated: **3:21**
